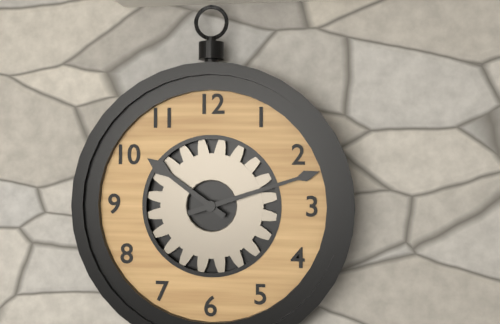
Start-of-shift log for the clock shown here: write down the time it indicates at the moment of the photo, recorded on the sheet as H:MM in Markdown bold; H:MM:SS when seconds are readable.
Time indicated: **10:12**
